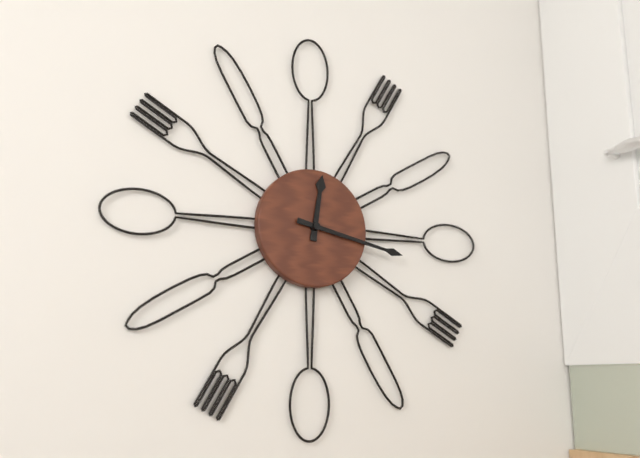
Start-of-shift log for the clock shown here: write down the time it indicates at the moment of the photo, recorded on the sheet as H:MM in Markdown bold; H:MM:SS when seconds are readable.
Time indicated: **12:17**
